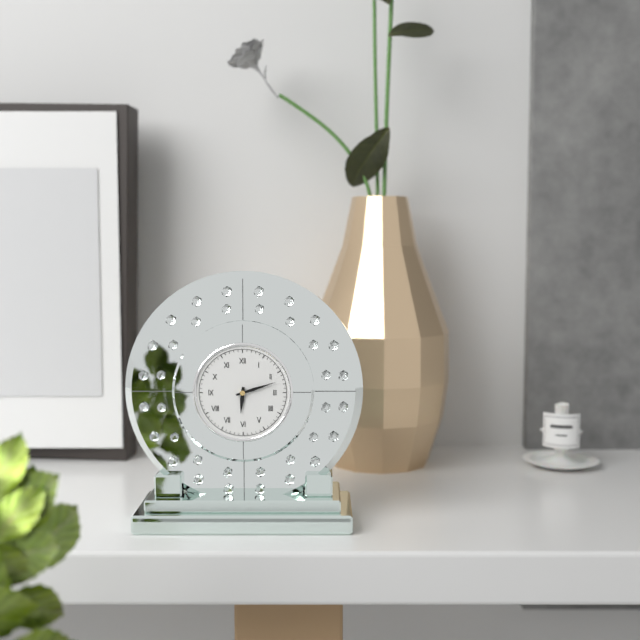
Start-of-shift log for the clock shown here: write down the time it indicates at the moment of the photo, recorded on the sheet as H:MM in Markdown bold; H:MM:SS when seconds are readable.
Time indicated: **6:12**
